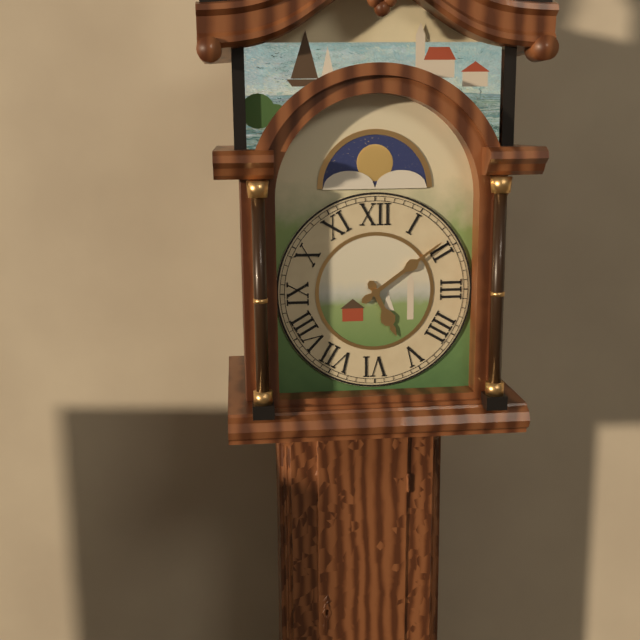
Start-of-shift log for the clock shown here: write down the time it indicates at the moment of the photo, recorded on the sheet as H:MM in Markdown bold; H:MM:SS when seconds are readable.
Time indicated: **5:09**
